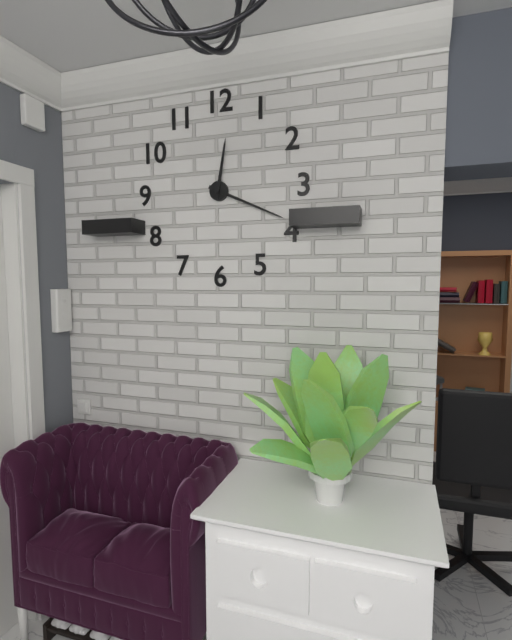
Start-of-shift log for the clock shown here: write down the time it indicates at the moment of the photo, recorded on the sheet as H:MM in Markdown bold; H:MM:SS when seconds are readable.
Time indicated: **12:19**
